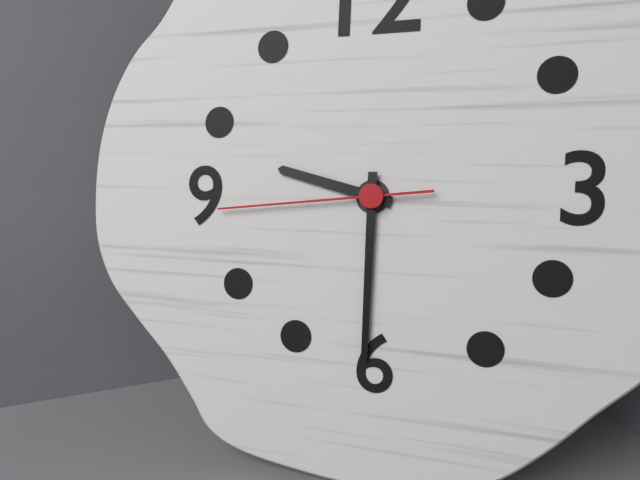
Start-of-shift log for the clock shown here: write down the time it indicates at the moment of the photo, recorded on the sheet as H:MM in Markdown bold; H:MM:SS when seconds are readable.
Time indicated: **9:30:44**
